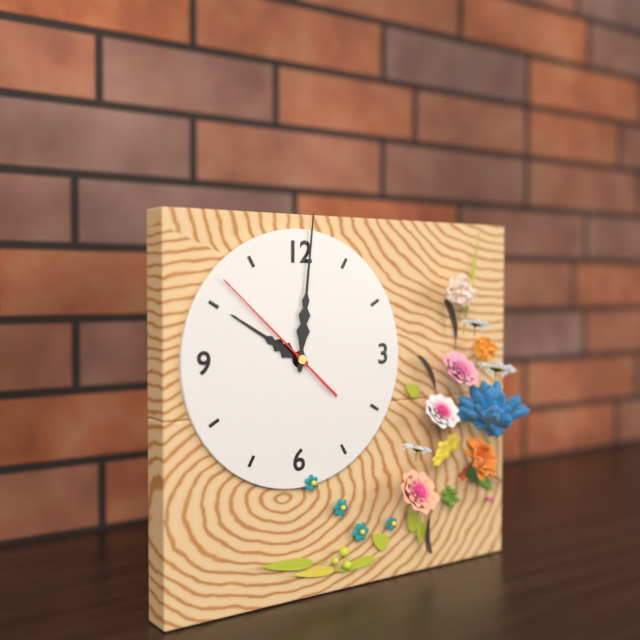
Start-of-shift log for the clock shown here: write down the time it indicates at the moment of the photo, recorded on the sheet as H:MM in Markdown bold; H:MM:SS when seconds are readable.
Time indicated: **10:01:52**
